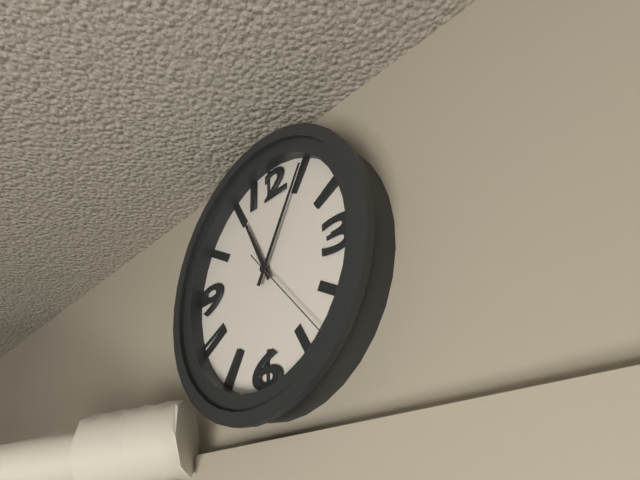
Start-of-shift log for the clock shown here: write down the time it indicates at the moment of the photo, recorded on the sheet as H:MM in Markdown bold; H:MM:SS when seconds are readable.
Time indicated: **11:05:23**
